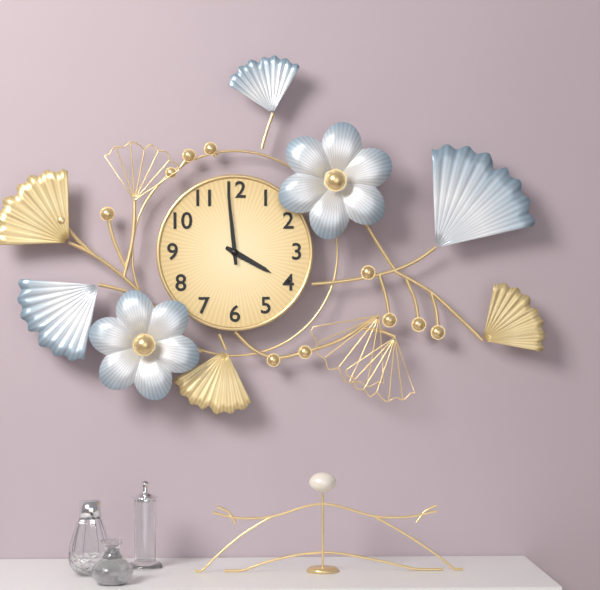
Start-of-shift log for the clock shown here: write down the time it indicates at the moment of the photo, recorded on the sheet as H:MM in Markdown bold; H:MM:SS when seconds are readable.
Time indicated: **3:59**
